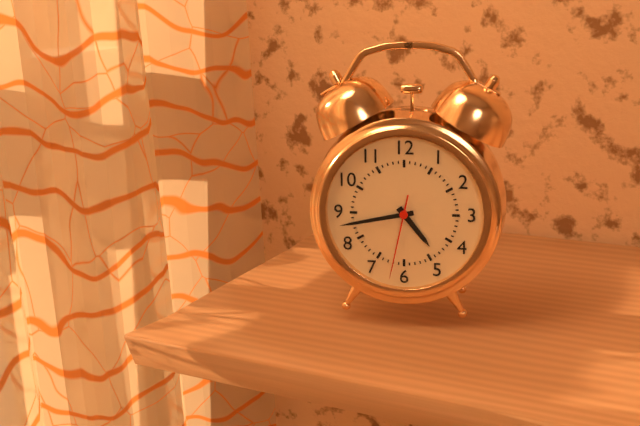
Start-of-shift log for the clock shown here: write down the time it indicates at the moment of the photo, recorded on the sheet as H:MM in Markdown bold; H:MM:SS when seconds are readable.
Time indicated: **4:43:32**
